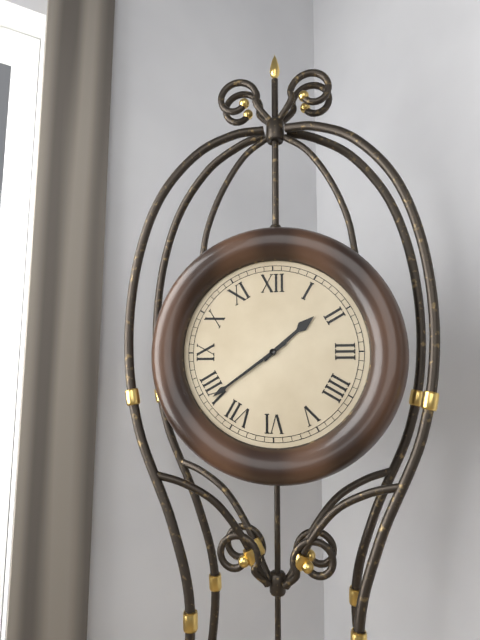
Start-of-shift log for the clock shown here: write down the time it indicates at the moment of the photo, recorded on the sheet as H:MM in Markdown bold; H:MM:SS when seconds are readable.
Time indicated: **1:39**
